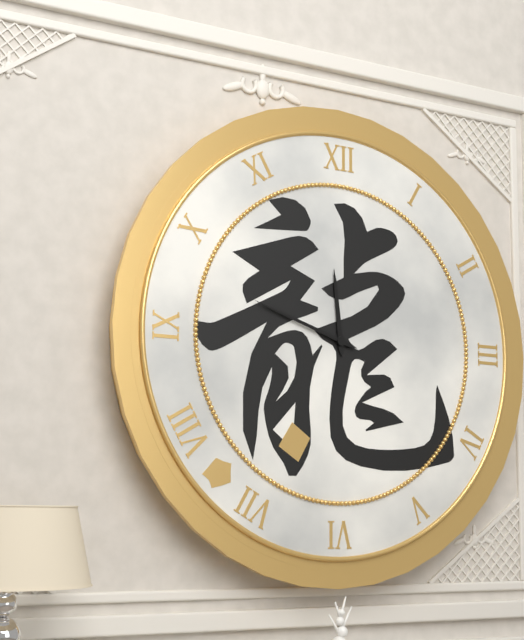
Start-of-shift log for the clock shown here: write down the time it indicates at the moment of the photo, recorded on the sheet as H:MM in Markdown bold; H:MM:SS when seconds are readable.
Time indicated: **11:48**
